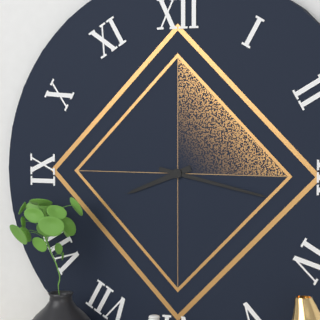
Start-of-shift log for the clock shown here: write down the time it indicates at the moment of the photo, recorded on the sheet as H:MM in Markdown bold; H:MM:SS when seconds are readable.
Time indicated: **8:17**
